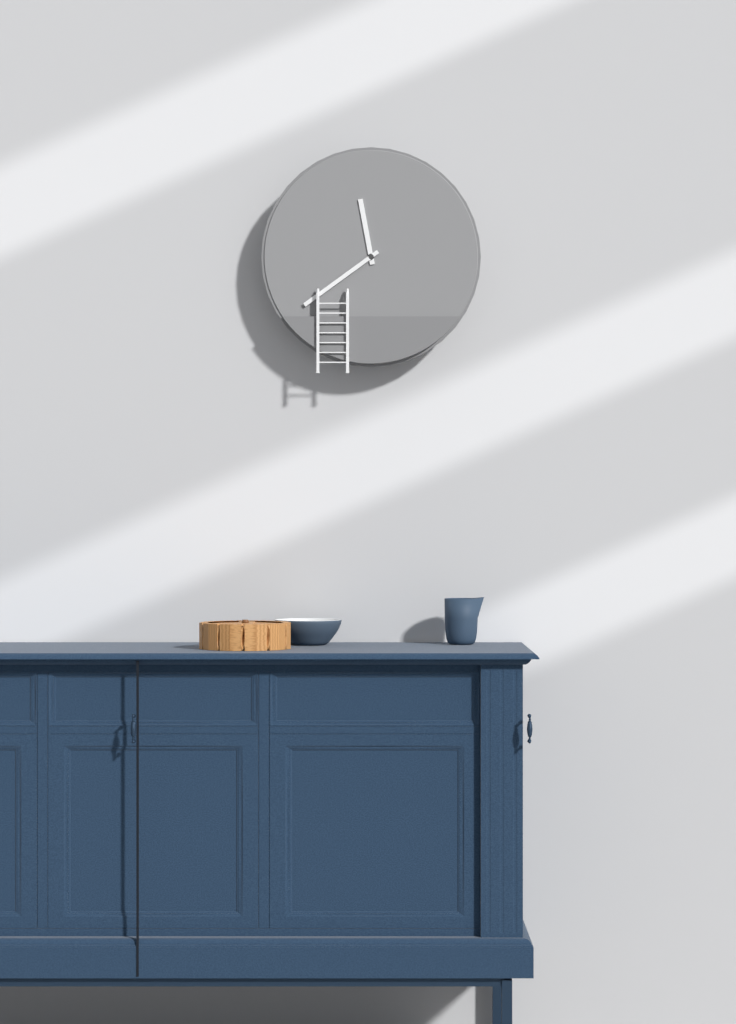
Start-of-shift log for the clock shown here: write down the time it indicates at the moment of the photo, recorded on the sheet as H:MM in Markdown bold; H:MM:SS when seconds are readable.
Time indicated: **11:39**
